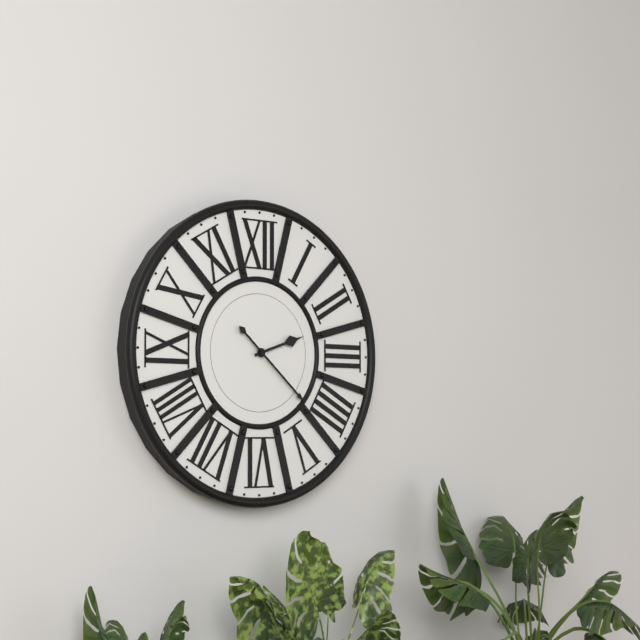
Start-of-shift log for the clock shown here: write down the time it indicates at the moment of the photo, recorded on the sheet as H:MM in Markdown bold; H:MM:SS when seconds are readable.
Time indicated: **2:22**
